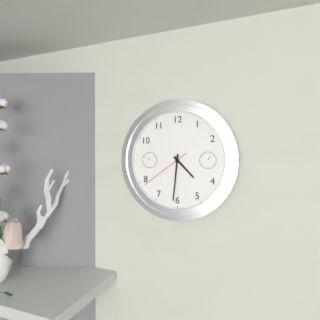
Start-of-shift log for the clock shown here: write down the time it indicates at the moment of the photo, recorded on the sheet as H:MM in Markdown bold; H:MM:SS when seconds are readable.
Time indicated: **4:31:39**
